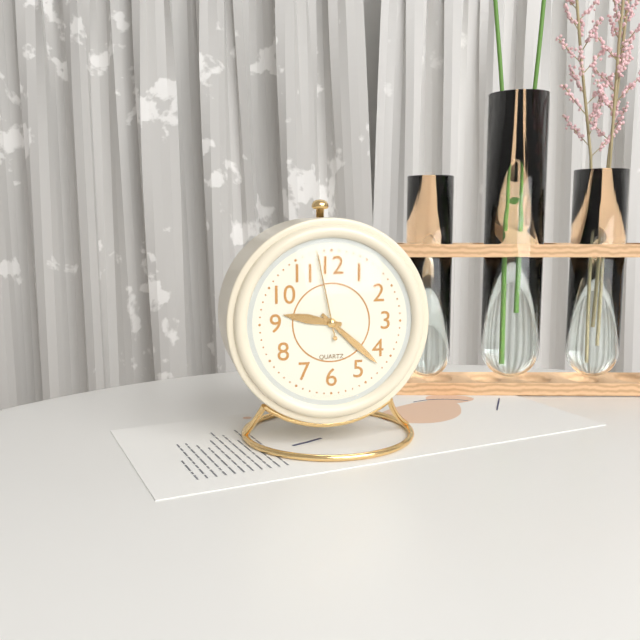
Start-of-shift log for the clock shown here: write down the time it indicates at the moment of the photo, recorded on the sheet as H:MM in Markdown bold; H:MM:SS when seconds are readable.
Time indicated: **9:22:58**
